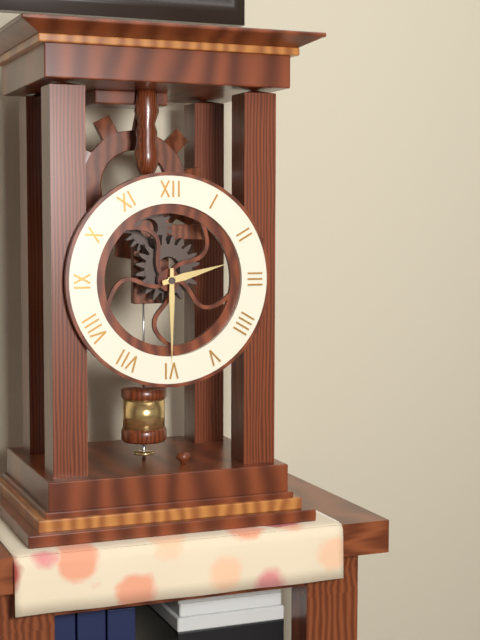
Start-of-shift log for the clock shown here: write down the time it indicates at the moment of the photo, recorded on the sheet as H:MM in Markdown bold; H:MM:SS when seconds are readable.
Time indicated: **2:30**
